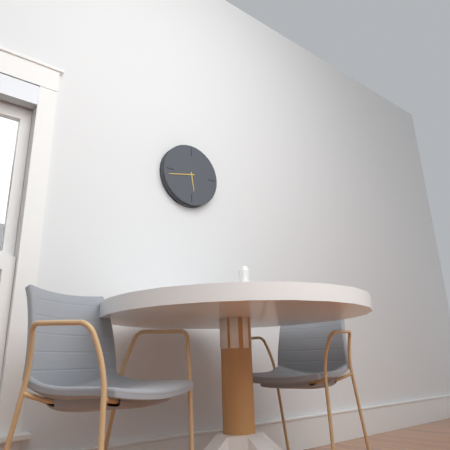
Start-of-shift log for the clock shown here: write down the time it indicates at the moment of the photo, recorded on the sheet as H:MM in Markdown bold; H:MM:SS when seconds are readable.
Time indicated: **5:43**
